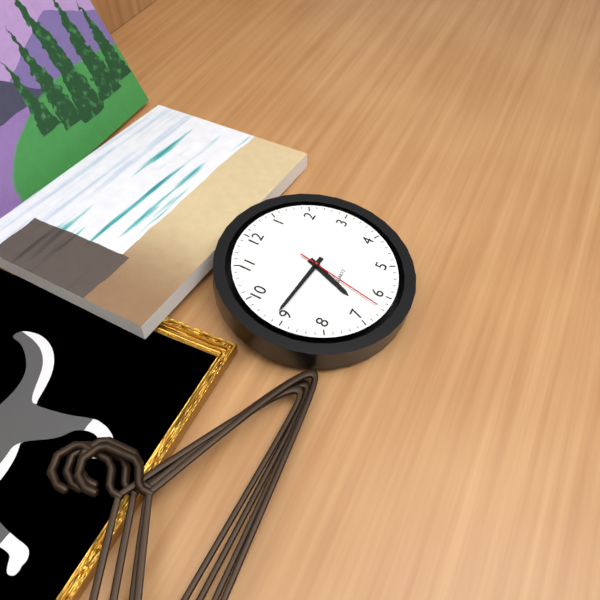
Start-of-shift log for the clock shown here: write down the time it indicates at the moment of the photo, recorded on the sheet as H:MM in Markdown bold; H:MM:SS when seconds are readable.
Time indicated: **6:46:32**
